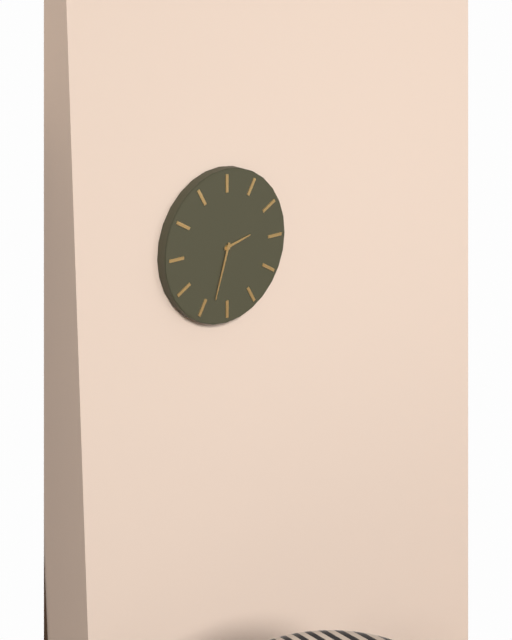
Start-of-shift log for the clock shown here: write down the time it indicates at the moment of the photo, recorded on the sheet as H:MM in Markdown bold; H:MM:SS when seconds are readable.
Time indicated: **2:33**
